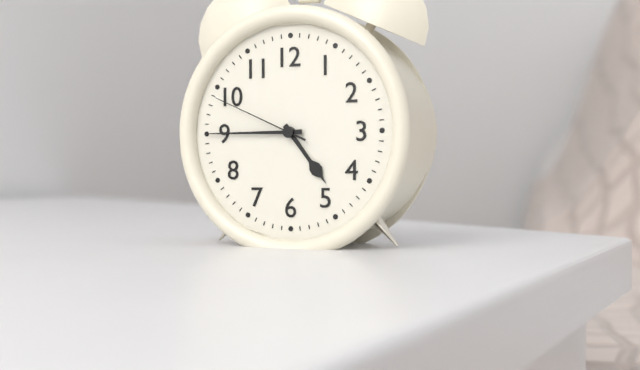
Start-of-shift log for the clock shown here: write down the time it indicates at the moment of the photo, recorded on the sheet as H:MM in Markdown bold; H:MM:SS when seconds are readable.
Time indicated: **4:45:49**
